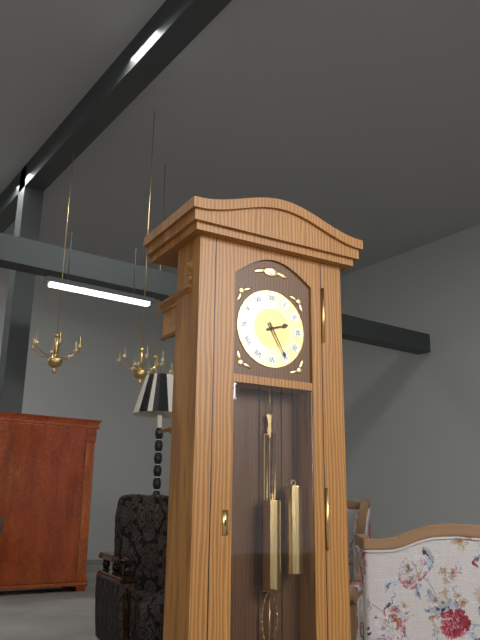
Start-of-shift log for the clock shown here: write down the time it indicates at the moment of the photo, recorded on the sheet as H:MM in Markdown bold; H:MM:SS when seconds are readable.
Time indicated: **2:25**
